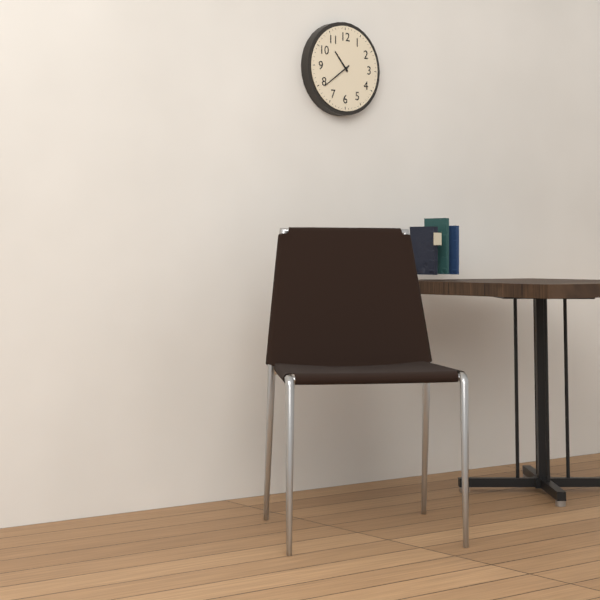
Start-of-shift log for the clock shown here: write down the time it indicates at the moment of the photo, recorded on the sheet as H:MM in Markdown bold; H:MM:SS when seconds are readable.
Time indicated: **10:39**
